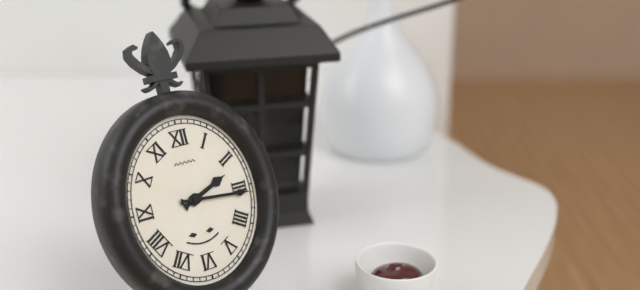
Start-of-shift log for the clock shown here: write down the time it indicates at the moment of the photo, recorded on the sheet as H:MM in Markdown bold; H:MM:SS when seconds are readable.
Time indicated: **2:16**
